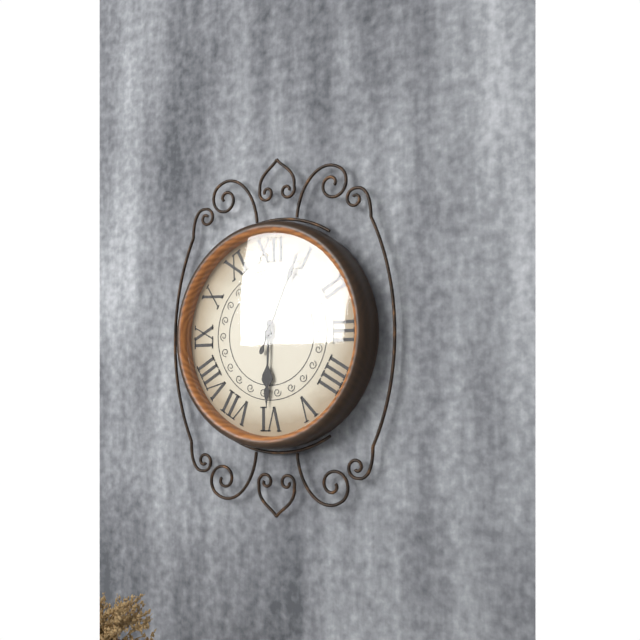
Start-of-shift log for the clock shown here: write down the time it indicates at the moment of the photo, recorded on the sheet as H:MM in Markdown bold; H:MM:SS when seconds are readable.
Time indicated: **6:04**
